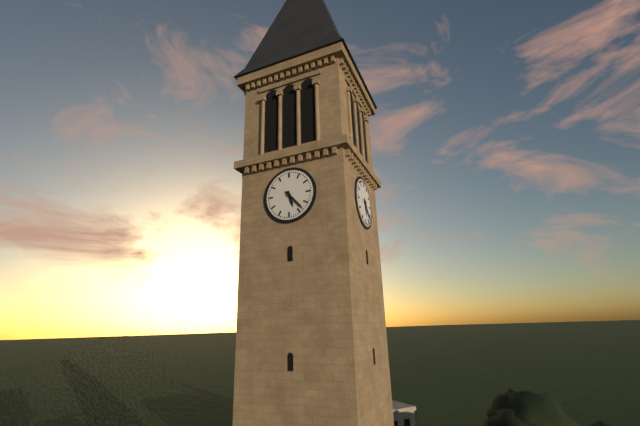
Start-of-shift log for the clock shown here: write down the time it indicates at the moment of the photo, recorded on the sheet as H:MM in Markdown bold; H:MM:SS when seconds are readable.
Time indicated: **5:23**
